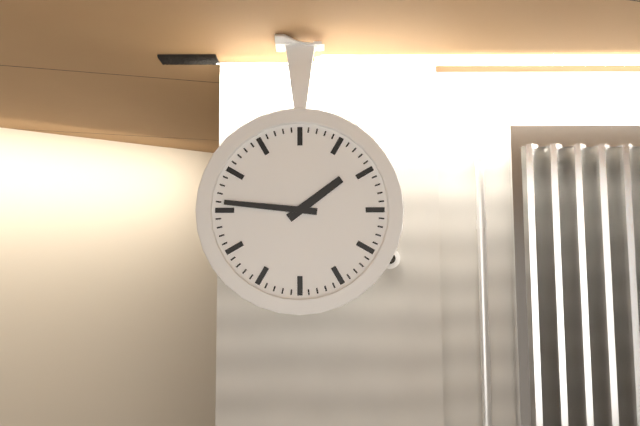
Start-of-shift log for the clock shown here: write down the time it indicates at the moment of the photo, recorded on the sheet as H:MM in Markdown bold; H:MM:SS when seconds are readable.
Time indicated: **1:46**
